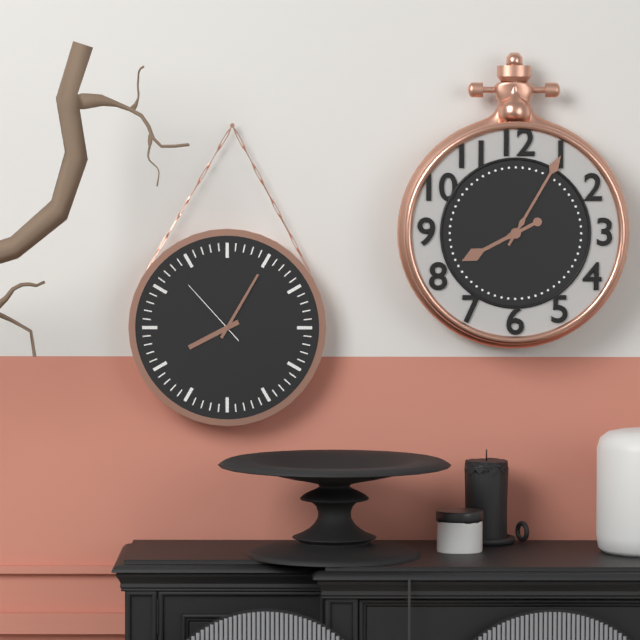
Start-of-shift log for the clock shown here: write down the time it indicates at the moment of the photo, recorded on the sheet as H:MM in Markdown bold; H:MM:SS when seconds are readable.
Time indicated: **8:05:53**
